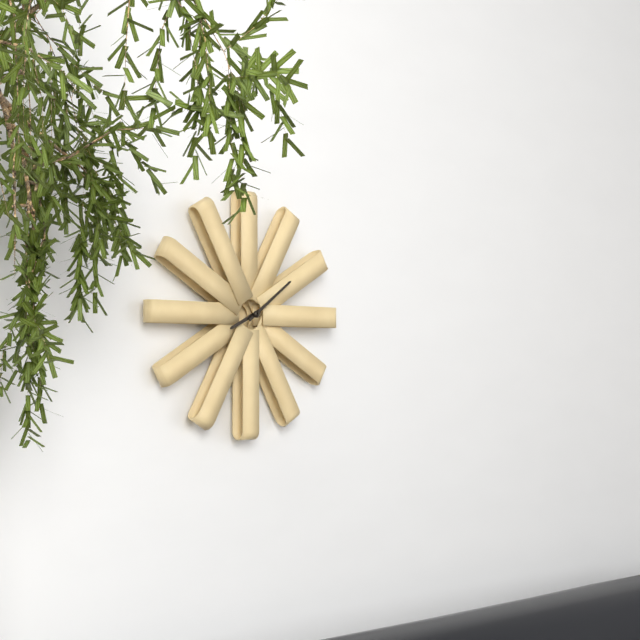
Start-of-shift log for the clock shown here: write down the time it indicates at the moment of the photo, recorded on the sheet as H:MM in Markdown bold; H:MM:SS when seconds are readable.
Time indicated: **8:09**
